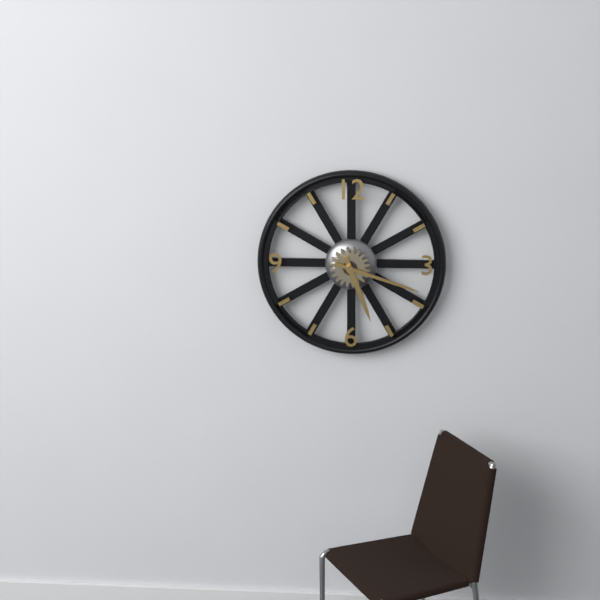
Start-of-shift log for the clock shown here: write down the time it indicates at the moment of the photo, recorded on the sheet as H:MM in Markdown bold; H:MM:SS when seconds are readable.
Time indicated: **5:18**
